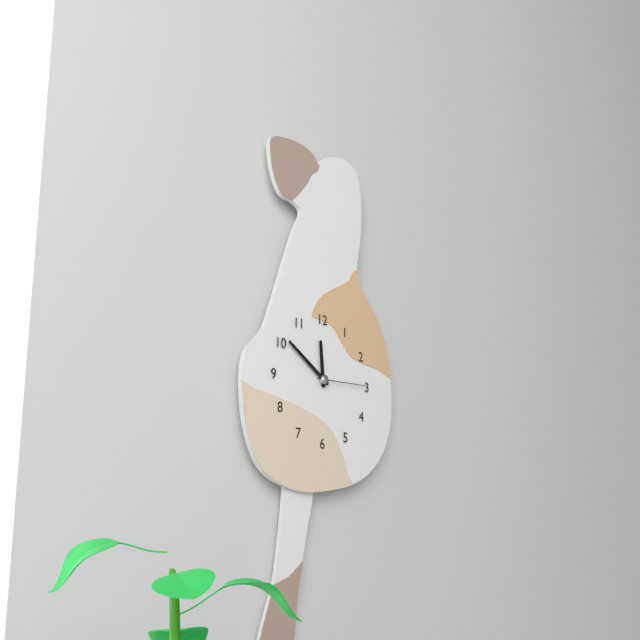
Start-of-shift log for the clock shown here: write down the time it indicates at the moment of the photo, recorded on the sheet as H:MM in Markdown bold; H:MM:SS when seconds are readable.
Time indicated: **11:51:15**
